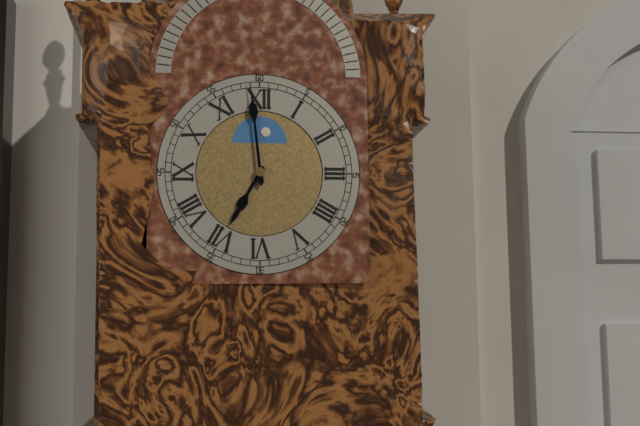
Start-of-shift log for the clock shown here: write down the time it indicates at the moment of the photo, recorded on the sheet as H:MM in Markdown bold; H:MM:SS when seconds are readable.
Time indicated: **6:59**
